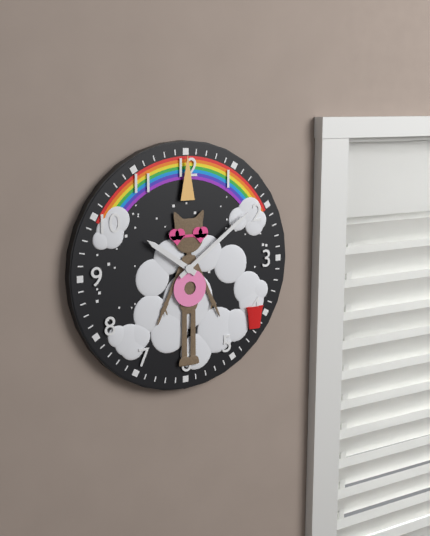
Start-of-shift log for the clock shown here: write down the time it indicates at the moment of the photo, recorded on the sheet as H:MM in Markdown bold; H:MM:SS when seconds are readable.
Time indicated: **10:09**
